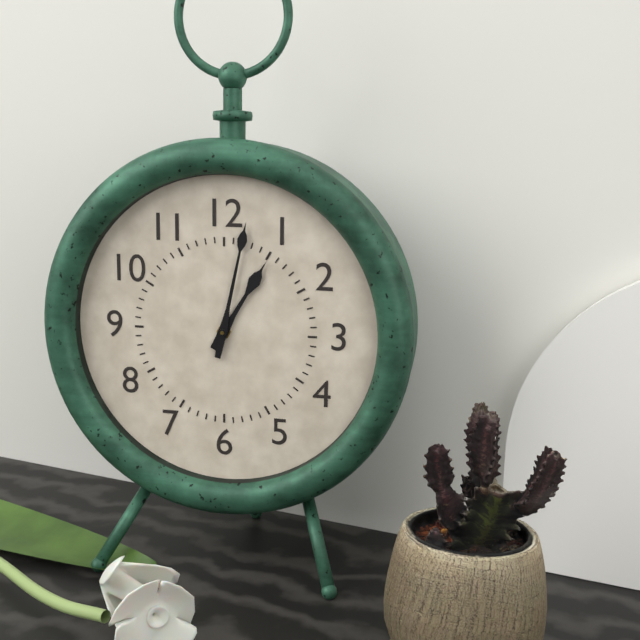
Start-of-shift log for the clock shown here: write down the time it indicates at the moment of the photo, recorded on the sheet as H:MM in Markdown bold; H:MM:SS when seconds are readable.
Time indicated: **1:02**
